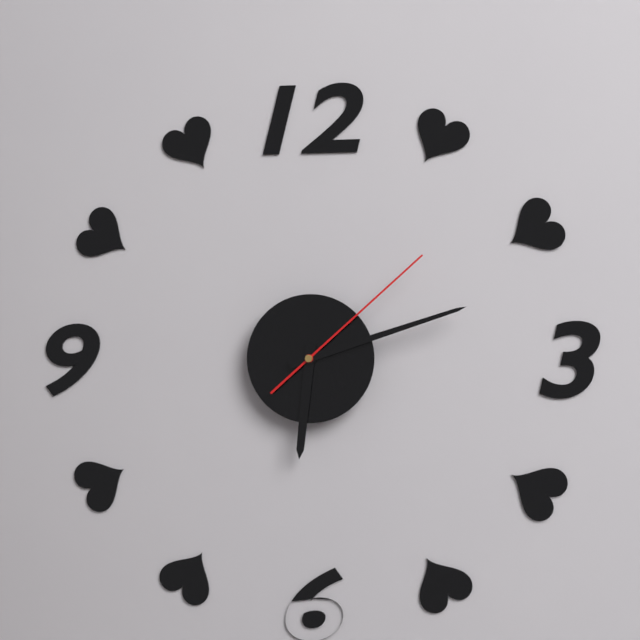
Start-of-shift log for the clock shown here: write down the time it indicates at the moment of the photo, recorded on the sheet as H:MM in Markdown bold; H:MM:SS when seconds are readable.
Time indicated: **6:12:08**
